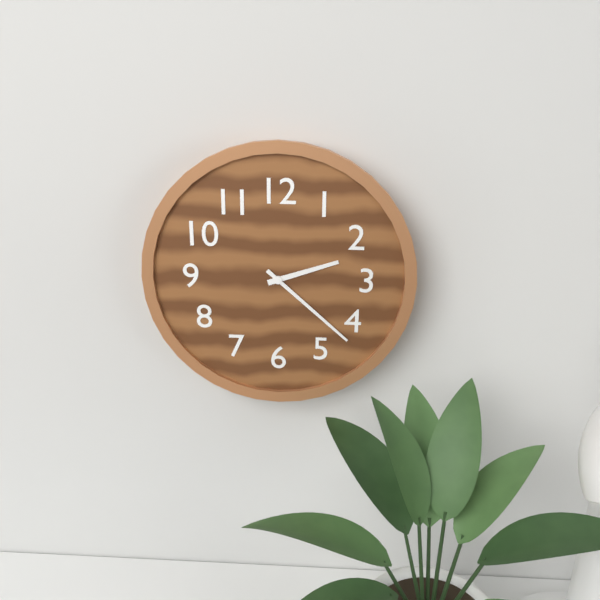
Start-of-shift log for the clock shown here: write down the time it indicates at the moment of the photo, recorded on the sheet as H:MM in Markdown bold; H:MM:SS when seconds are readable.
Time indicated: **2:22**
